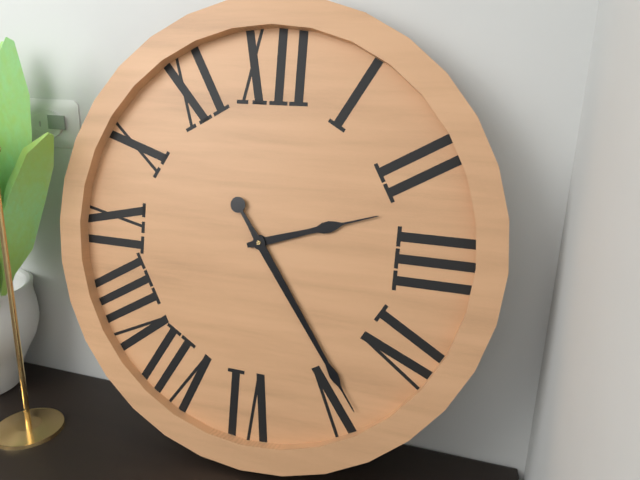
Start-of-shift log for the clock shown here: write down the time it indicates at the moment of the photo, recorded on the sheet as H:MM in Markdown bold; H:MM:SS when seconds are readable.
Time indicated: **2:24**
